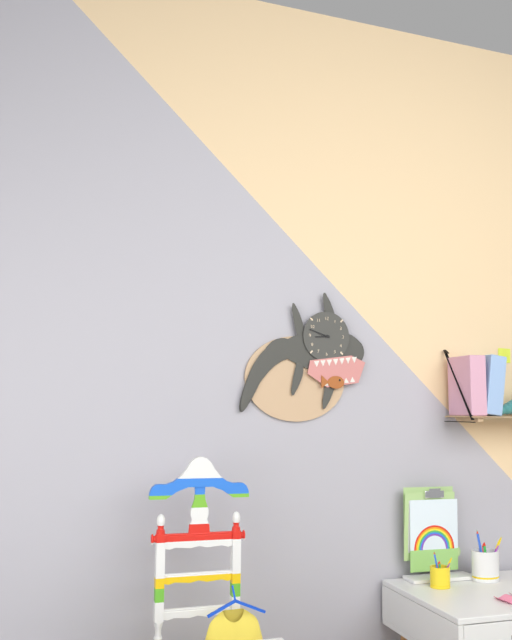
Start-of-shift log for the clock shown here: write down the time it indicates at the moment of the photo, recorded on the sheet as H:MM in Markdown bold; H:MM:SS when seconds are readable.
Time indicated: **8:48**
